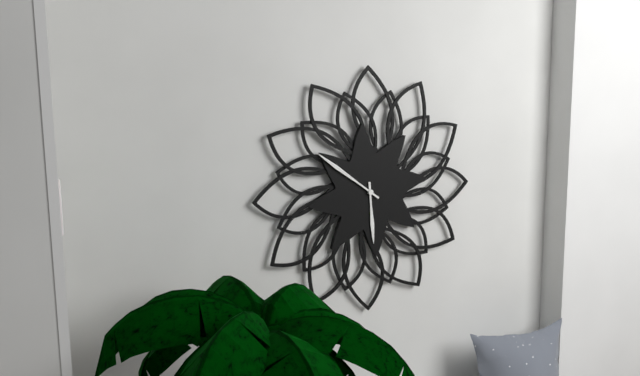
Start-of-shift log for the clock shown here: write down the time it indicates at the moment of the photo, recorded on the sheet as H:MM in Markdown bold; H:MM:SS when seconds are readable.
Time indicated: **5:51**
